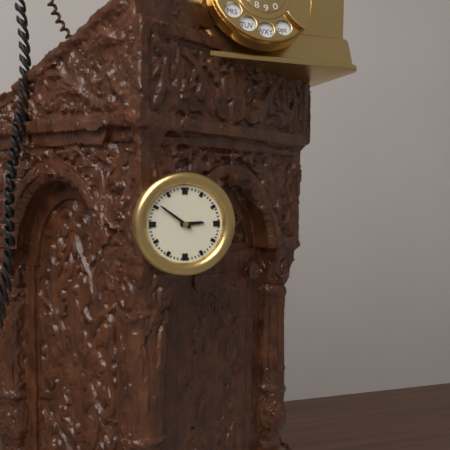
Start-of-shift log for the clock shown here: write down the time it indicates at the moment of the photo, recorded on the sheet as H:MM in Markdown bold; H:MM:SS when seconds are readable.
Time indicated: **2:51**
